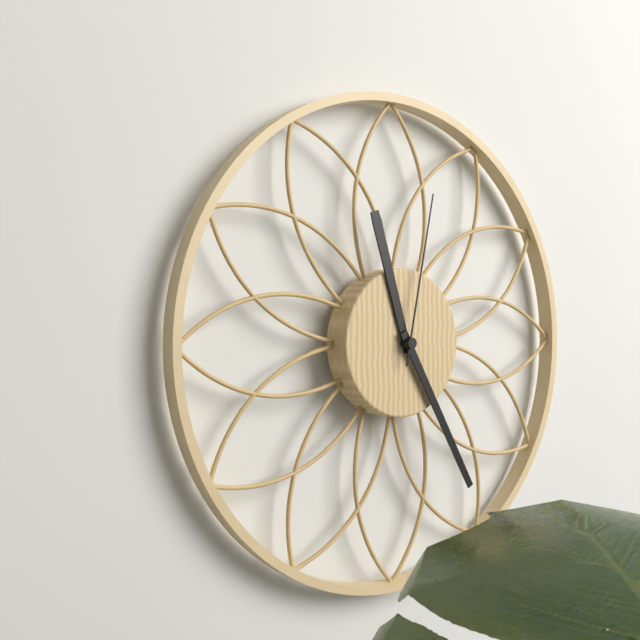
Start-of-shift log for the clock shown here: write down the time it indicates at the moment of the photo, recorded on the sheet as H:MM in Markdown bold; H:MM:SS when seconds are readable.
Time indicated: **11:25:02**
